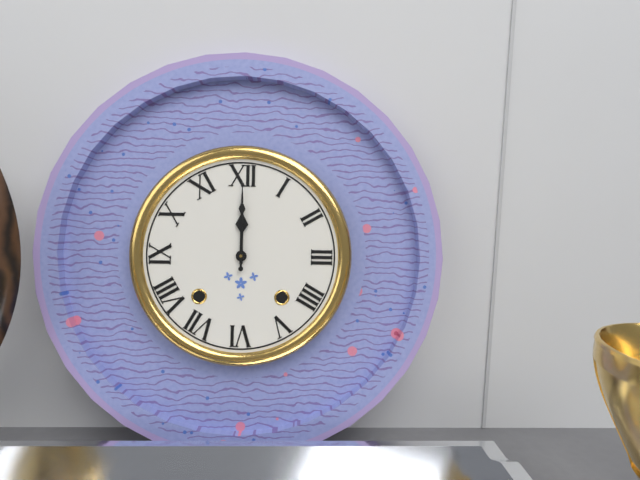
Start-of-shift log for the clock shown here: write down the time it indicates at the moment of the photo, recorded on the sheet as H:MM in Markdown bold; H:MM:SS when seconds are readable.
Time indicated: **12:00**
